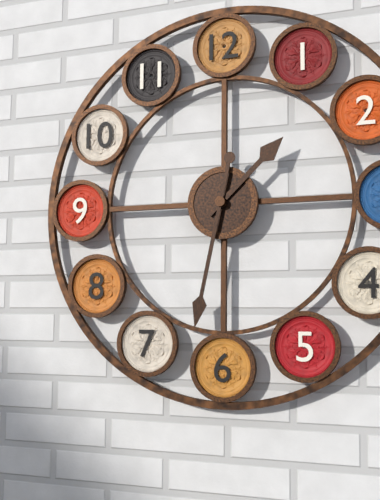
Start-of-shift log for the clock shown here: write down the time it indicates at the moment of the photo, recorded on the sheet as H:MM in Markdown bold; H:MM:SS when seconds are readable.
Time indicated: **1:32**
